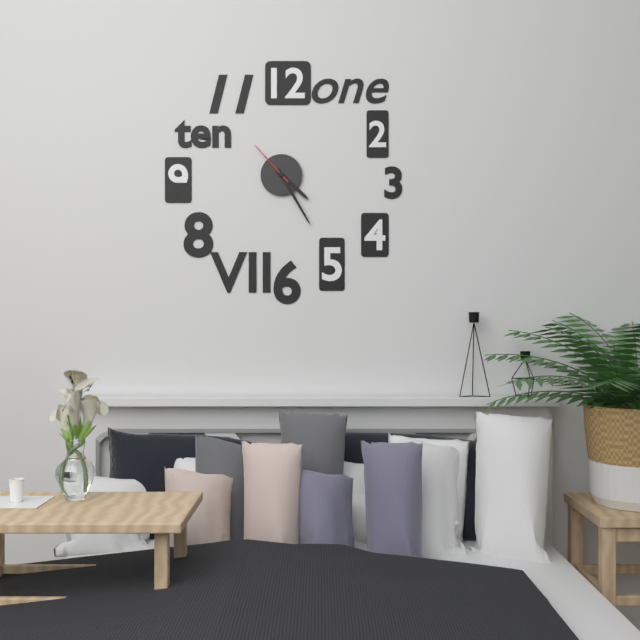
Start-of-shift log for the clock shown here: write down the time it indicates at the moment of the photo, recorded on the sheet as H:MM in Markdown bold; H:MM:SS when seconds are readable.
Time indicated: **4:25:53**
